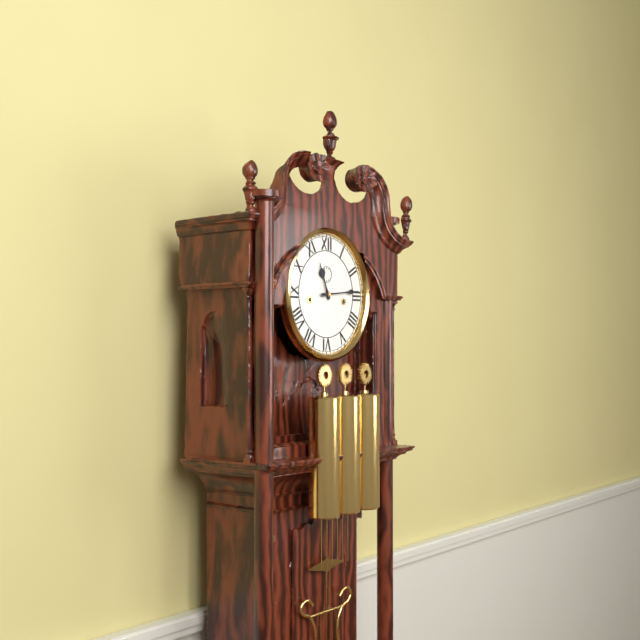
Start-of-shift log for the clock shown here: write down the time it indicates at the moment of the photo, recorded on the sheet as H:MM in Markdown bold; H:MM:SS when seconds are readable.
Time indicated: **11:14**
